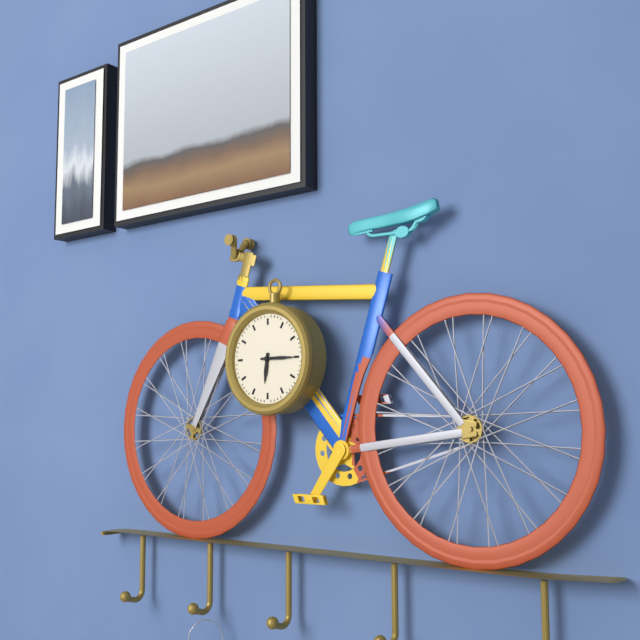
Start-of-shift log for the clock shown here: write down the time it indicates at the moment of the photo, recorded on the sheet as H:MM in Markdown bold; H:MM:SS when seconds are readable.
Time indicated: **6:15**
